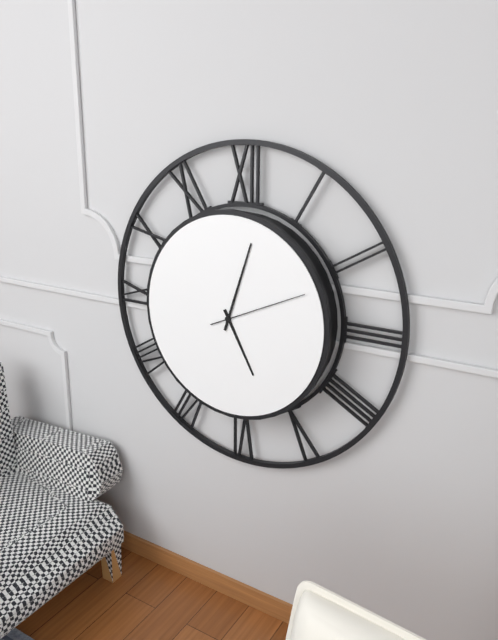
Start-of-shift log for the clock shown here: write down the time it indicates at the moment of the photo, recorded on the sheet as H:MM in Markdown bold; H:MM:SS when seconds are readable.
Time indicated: **5:03:11**
